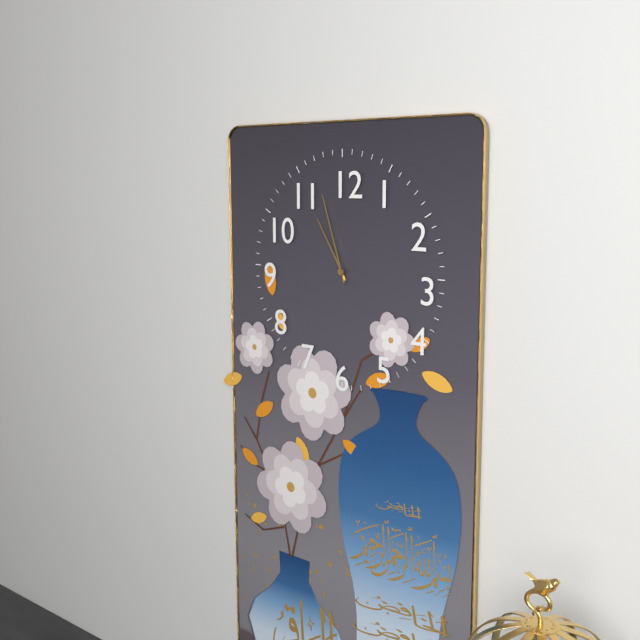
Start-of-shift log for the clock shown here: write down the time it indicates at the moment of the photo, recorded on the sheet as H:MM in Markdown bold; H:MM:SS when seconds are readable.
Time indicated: **10:57**
